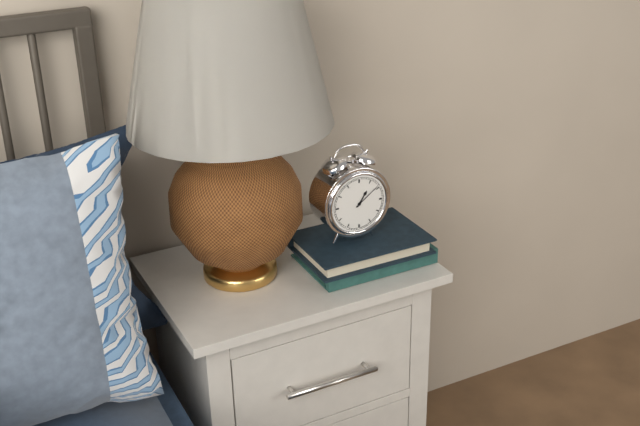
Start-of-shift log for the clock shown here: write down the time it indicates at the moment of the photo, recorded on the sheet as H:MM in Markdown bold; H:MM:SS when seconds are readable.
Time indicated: **1:09**
